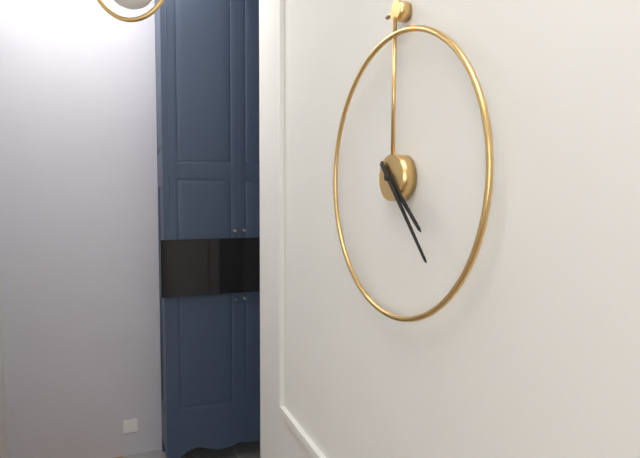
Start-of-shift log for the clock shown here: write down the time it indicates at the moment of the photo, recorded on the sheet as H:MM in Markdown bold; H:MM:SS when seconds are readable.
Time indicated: **4:23**
